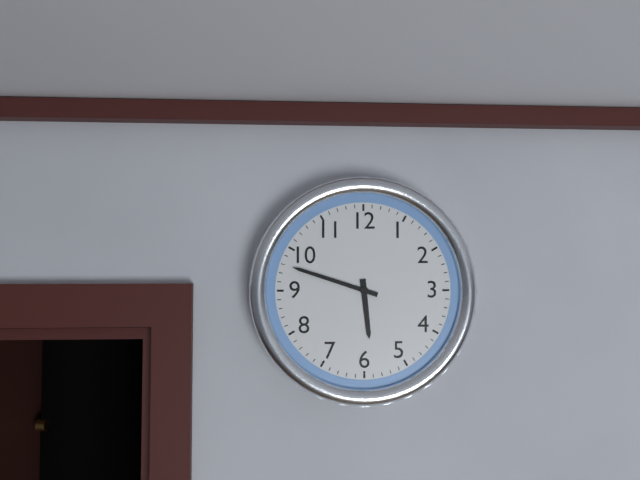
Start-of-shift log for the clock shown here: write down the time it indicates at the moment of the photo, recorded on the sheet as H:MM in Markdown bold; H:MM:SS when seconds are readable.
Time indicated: **5:48**
